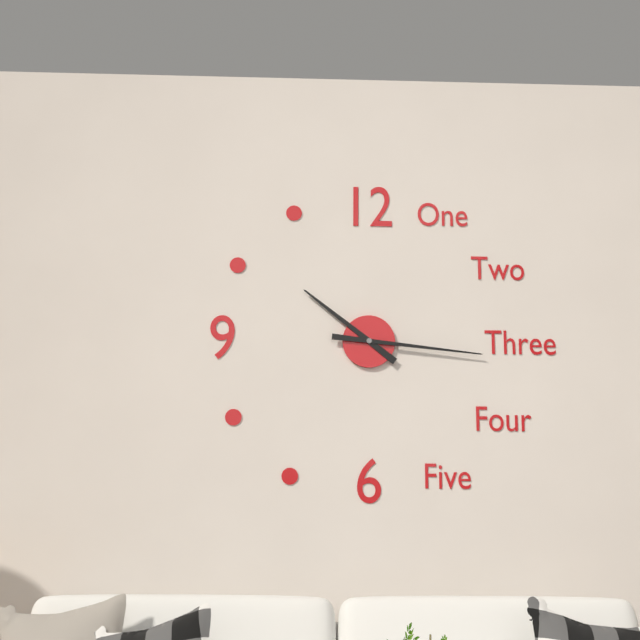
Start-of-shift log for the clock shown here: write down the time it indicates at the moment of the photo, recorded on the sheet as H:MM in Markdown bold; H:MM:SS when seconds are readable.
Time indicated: **10:16**
